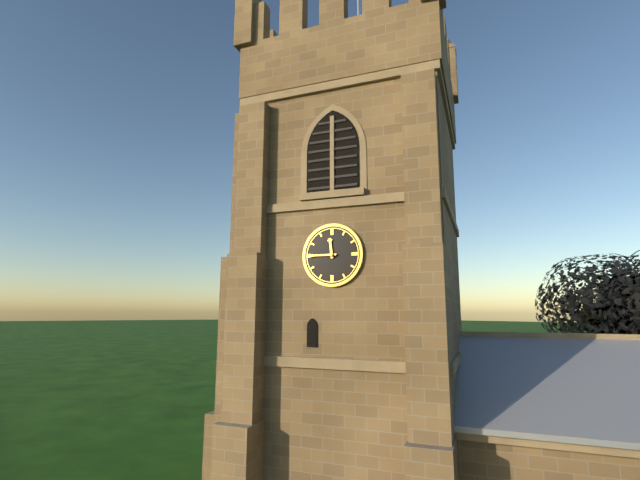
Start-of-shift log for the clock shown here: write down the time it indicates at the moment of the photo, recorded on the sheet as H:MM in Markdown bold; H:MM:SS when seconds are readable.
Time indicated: **11:45**
